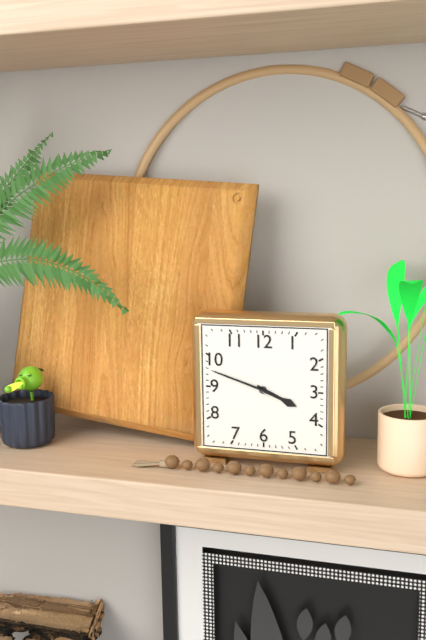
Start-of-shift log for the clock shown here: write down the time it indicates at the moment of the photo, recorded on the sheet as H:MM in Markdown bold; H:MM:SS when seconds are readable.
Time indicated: **3:48**
